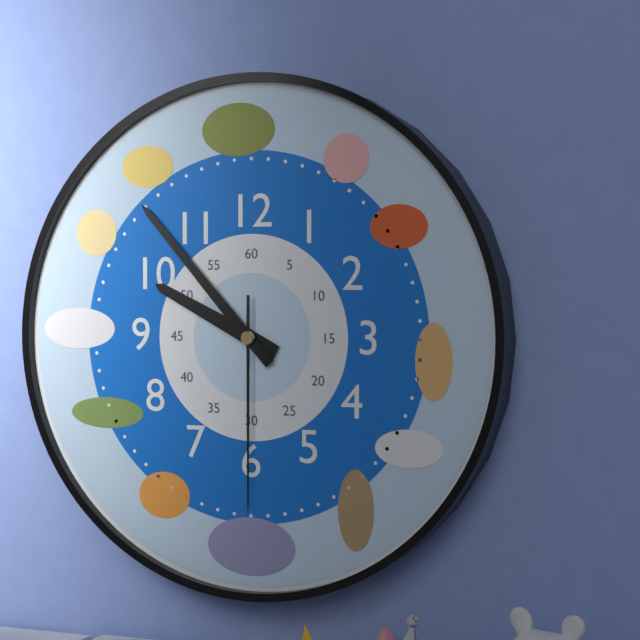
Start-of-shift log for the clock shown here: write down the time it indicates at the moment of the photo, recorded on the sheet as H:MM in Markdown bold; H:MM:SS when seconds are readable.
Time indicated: **9:53:30**
